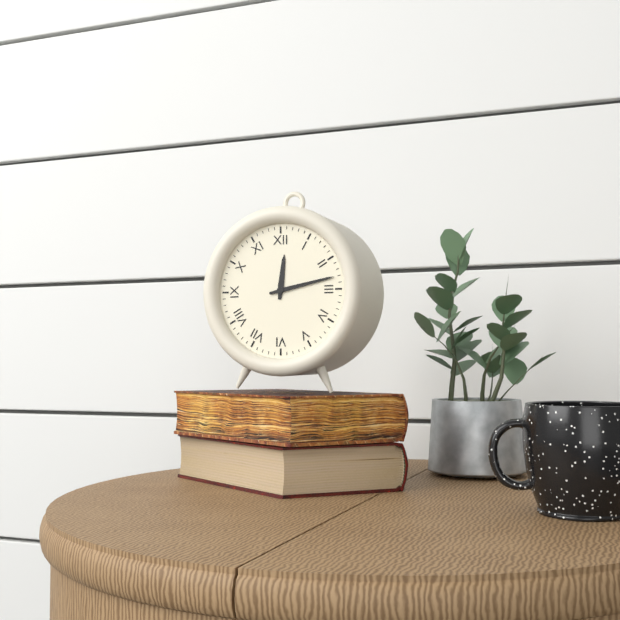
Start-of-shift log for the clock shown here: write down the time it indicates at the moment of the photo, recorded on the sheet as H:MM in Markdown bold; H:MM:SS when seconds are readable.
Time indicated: **12:13**
